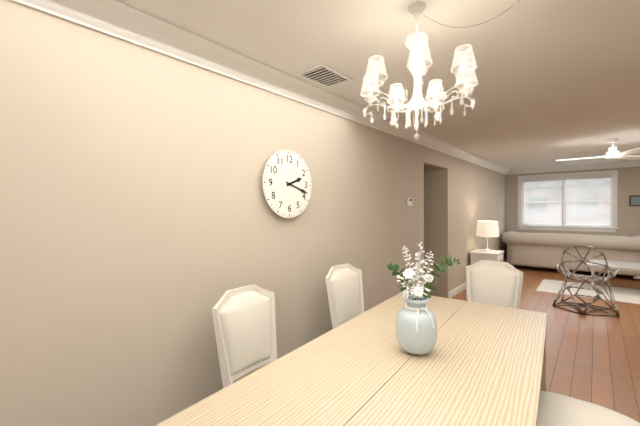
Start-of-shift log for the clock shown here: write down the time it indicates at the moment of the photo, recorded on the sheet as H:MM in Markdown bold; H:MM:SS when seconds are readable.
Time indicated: **2:18**
